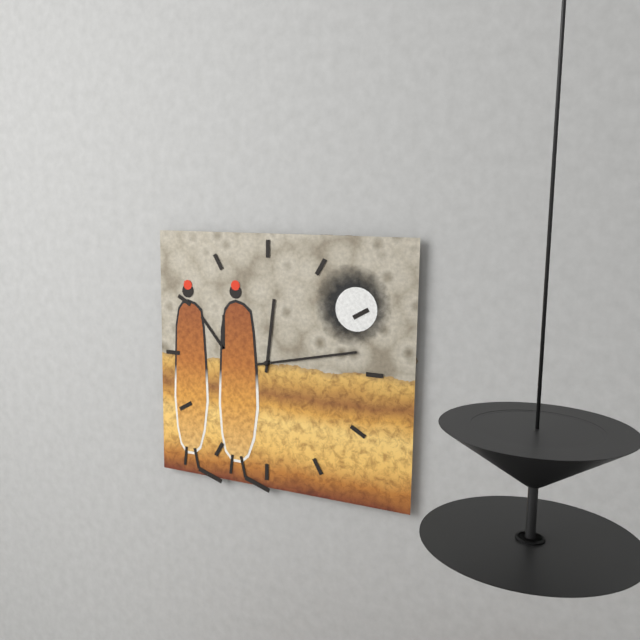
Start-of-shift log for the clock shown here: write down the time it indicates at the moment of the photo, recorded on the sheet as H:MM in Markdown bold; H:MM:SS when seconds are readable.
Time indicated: **12:13**
